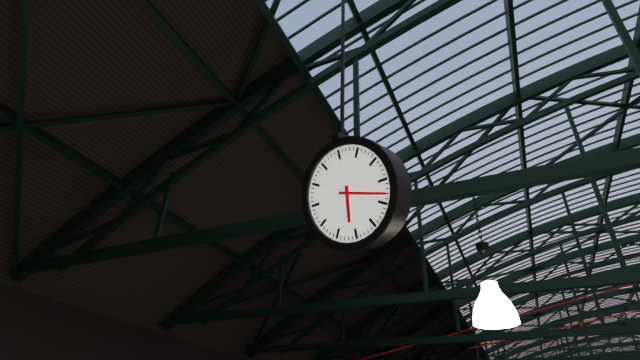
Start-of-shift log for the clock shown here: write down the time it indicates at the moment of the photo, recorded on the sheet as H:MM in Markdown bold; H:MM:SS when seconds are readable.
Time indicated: **6:18**
